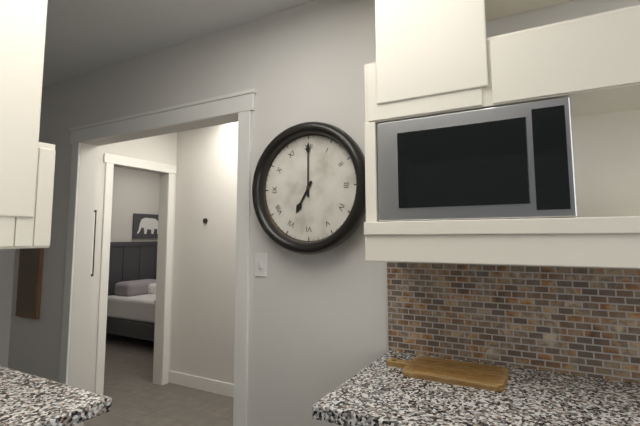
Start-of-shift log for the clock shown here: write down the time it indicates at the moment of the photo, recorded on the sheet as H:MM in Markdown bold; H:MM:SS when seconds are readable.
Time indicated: **7:00**
